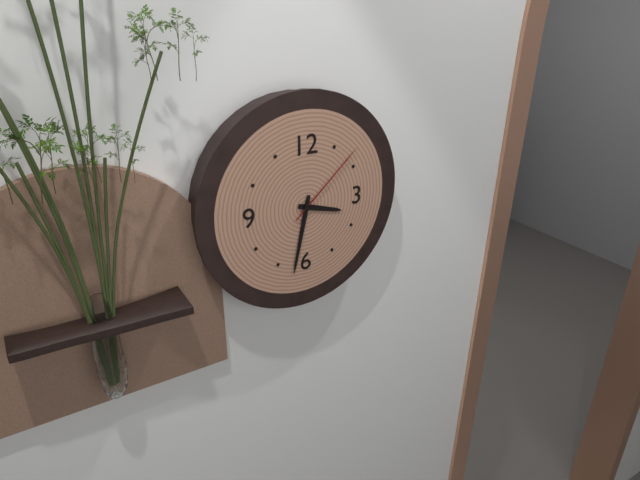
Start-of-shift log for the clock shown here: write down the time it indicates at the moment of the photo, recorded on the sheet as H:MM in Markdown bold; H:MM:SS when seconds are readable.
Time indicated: **3:32:08**
